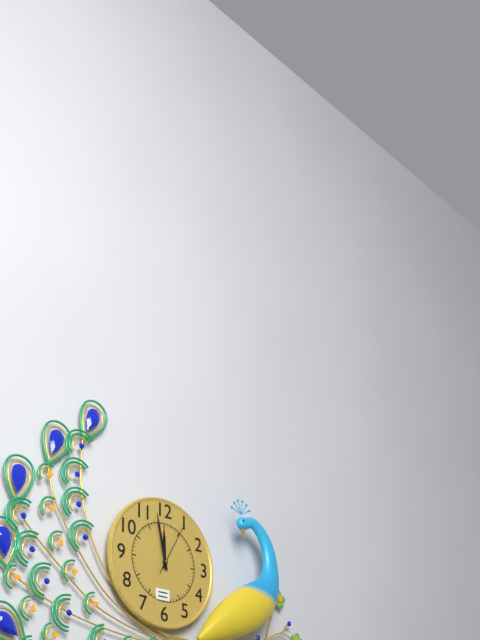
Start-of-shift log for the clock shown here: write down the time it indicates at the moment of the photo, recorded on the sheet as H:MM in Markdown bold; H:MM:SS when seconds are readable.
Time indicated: **11:58:05**
